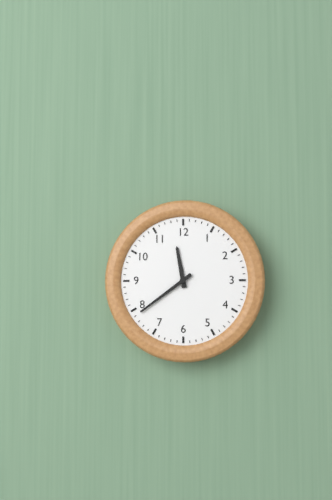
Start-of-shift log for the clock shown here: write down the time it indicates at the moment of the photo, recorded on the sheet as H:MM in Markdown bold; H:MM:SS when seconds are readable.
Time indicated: **11:39**
